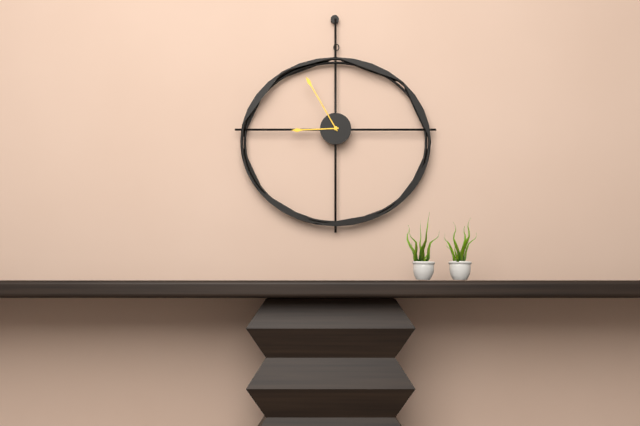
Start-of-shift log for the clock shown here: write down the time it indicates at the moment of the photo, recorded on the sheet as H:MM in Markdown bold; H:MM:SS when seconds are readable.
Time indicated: **8:55**
